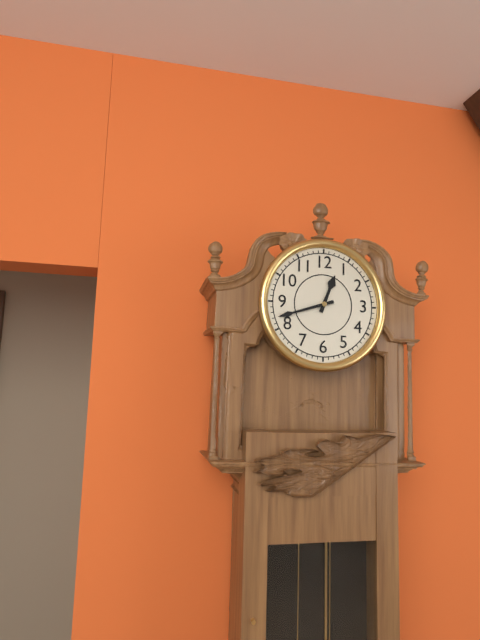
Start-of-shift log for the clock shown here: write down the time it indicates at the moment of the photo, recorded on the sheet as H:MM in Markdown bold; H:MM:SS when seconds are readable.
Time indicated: **12:42**
